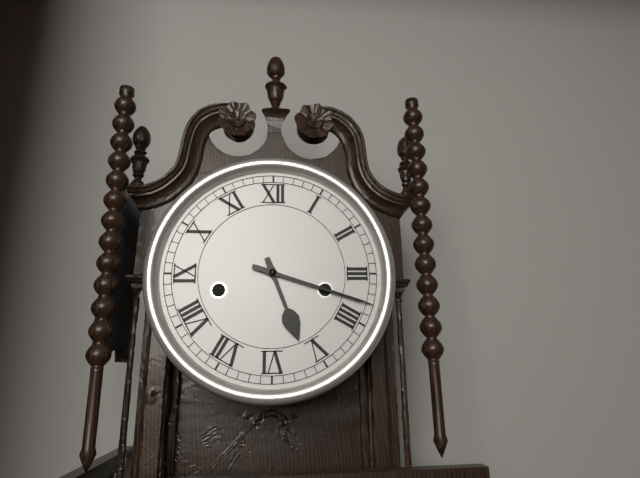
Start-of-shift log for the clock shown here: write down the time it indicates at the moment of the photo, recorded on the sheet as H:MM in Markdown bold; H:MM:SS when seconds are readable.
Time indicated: **5:18**
